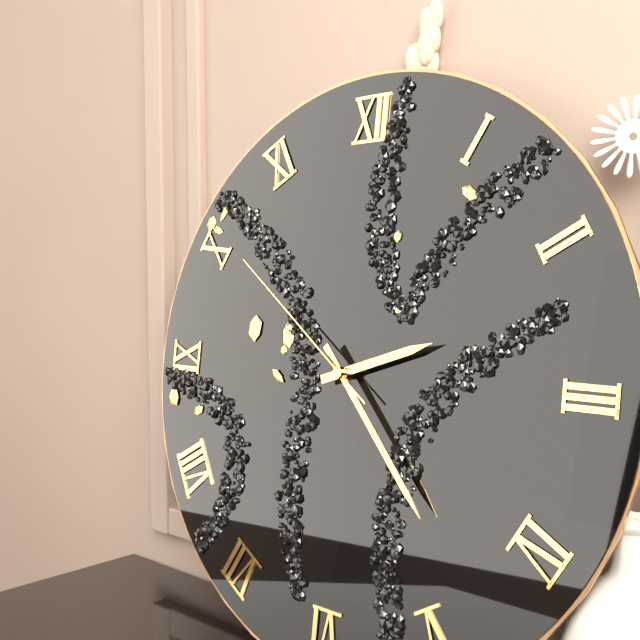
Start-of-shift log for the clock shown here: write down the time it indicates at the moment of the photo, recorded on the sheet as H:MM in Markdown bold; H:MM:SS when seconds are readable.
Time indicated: **2:23:51**
